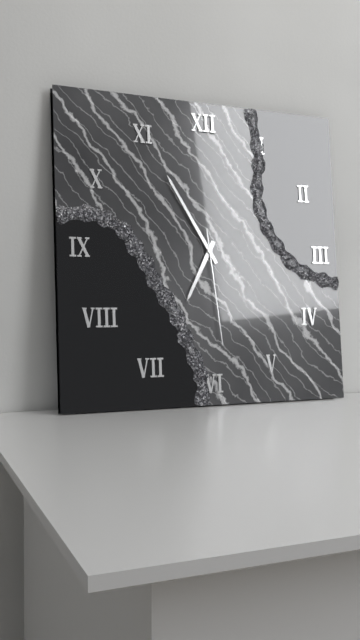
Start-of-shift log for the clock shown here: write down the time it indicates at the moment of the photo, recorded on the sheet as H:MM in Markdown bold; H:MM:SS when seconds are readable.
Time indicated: **6:55:29**
